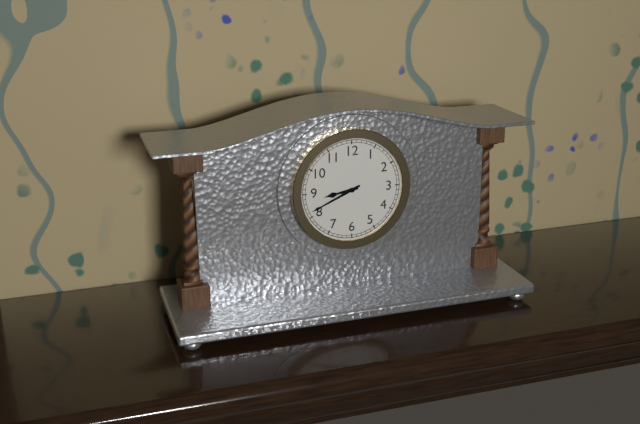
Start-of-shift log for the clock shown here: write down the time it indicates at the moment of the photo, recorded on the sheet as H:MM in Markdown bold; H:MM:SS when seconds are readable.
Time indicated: **8:41**
